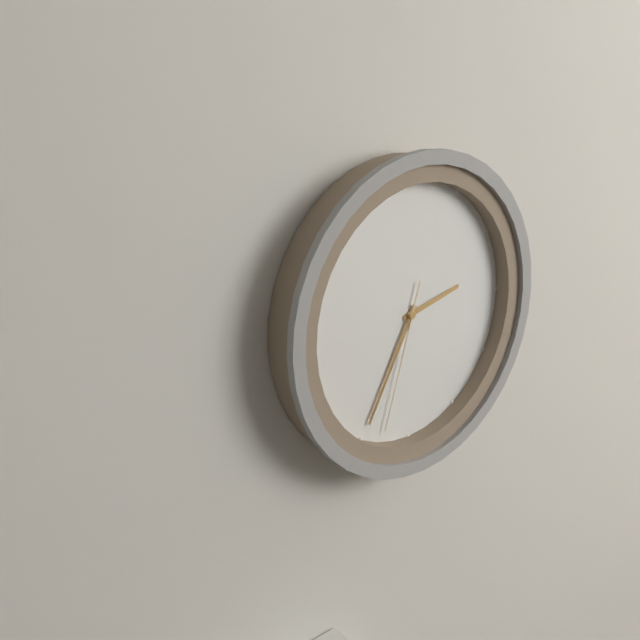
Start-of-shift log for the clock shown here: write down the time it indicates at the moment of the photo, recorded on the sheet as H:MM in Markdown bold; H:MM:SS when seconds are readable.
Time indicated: **2:35:33**
